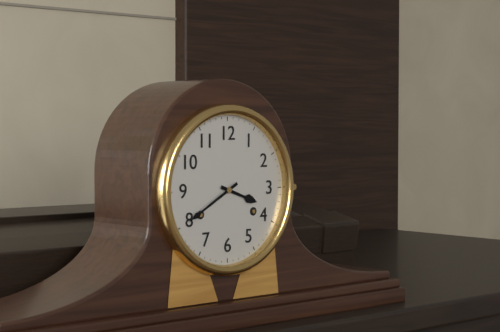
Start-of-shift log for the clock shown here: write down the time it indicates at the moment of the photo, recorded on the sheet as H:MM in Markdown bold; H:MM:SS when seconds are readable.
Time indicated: **3:40**
